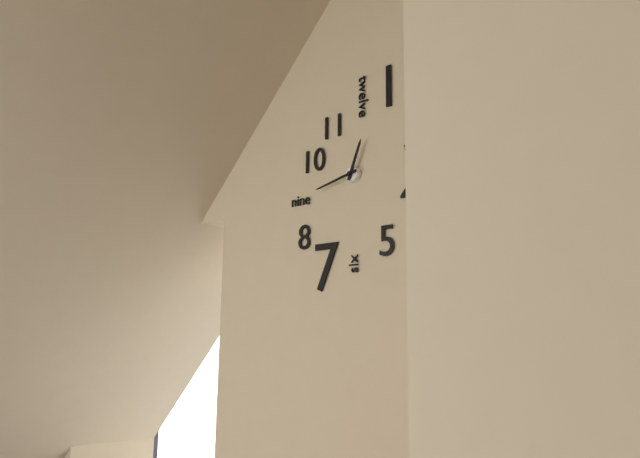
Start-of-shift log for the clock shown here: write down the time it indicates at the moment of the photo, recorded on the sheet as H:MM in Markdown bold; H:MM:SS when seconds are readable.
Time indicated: **12:43**
